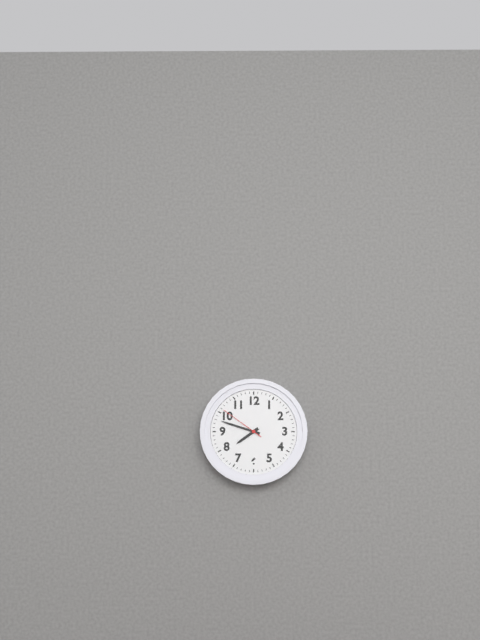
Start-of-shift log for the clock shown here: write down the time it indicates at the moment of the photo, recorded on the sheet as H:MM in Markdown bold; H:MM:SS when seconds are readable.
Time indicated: **7:48**
